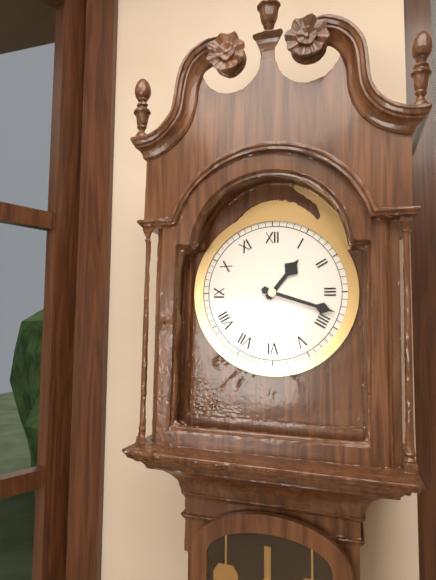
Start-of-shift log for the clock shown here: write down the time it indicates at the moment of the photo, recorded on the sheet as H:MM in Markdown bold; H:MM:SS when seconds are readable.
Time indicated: **1:18**
